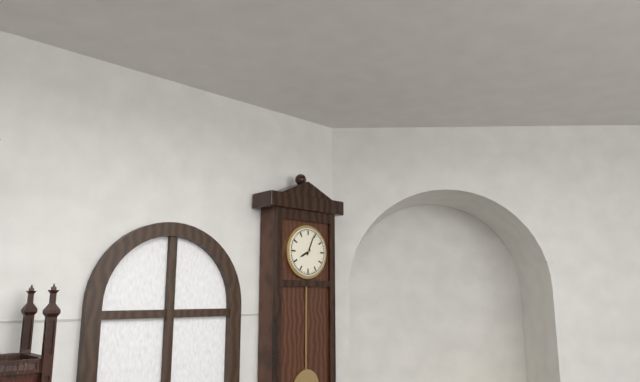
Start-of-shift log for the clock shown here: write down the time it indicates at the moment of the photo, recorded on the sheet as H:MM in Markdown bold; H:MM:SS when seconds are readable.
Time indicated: **8:04**
